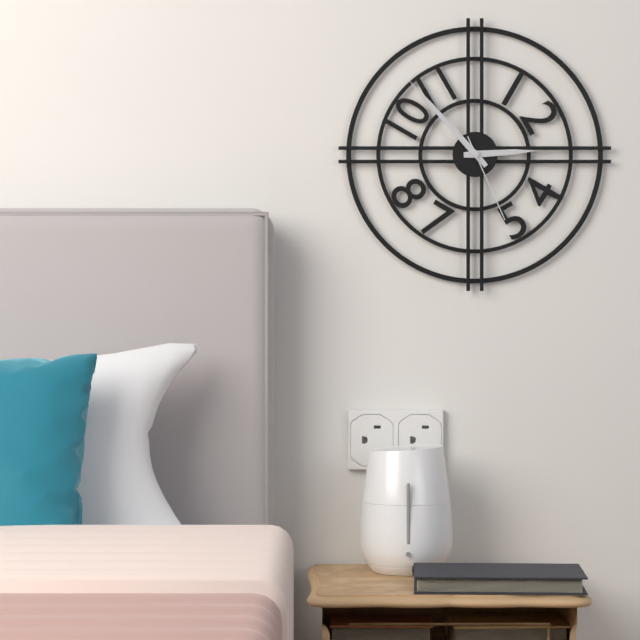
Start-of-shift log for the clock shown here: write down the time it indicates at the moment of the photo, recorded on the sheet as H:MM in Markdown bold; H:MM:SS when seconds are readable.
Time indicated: **2:53:26**
